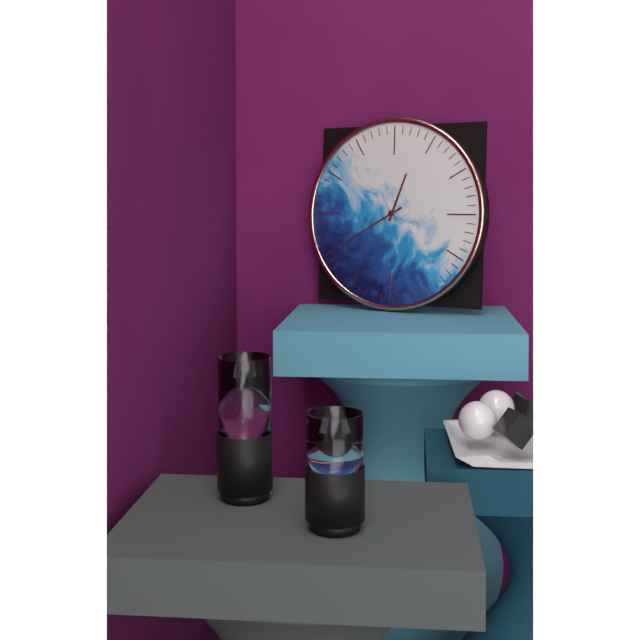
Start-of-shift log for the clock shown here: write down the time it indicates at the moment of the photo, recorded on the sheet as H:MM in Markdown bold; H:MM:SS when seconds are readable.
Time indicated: **12:40**
